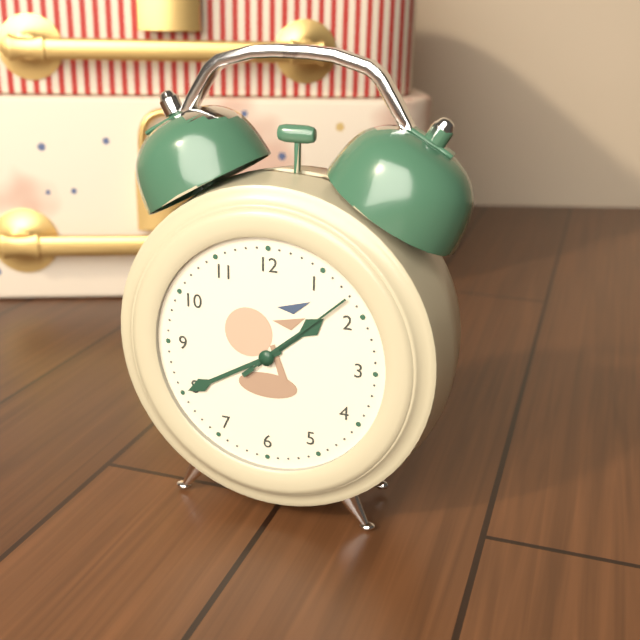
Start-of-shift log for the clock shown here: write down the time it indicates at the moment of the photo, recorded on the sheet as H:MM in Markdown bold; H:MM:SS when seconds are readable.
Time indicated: **1:40:08**
